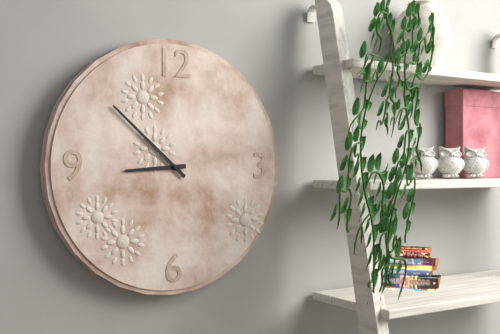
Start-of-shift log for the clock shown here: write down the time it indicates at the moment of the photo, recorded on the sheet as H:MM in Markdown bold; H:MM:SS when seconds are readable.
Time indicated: **8:52**
